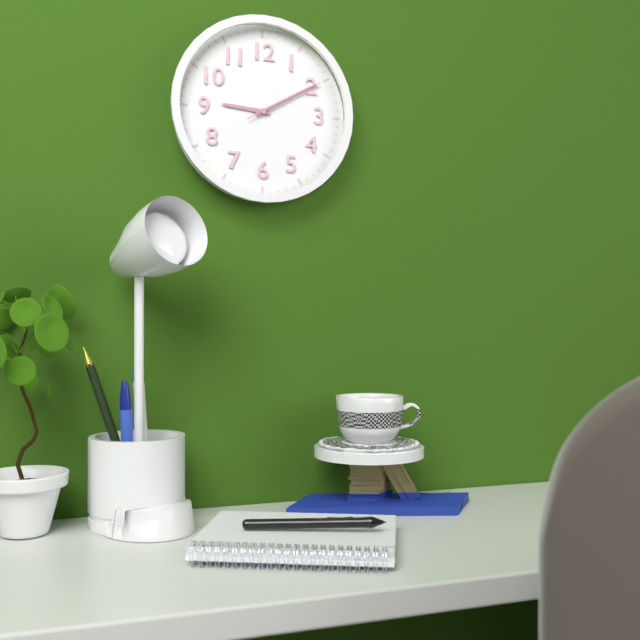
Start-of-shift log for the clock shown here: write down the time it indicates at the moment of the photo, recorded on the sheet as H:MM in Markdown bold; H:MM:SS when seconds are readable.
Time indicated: **9:10:10**
